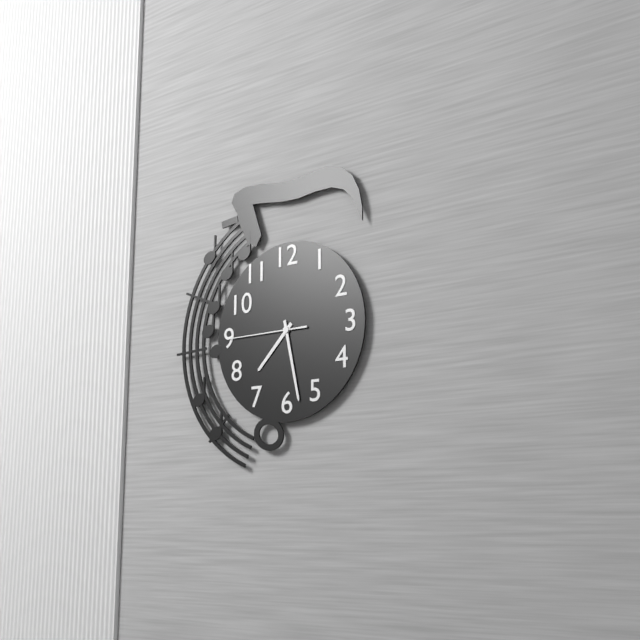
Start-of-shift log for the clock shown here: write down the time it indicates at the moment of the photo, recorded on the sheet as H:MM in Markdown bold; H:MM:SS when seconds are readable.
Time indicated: **7:28:45**
